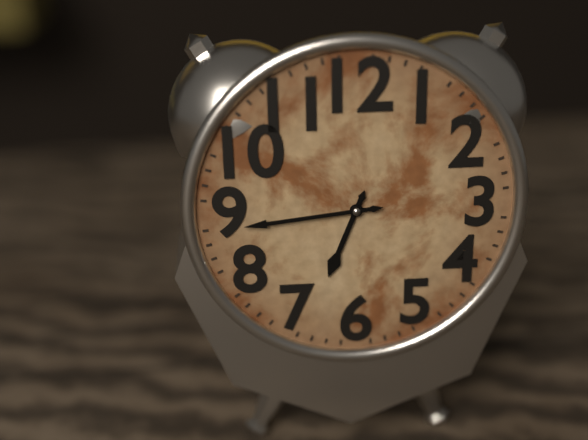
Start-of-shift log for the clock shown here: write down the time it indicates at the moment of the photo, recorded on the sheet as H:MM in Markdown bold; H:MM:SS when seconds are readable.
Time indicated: **6:44**
